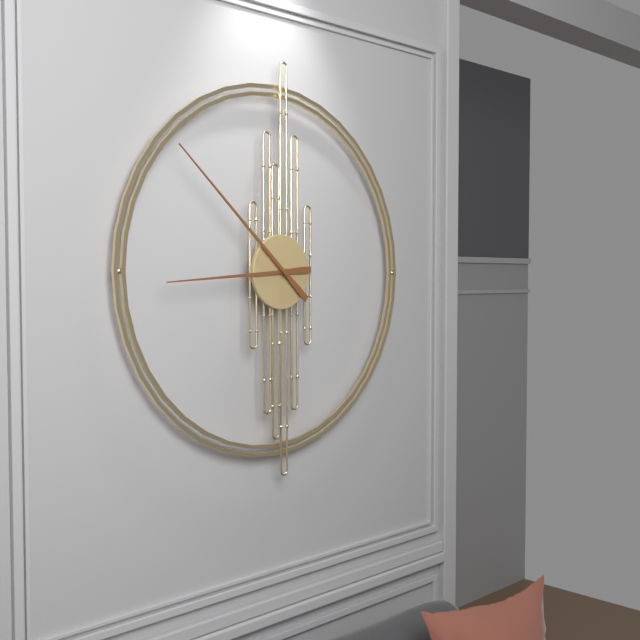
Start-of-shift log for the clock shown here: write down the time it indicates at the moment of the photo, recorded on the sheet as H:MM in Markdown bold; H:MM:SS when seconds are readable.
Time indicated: **8:52**
